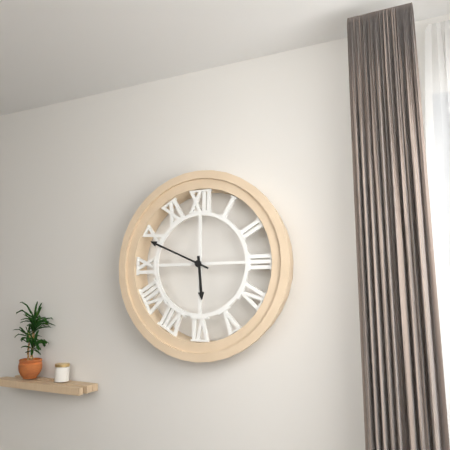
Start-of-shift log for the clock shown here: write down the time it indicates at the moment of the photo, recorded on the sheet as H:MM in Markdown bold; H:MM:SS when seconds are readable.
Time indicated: **5:49**
